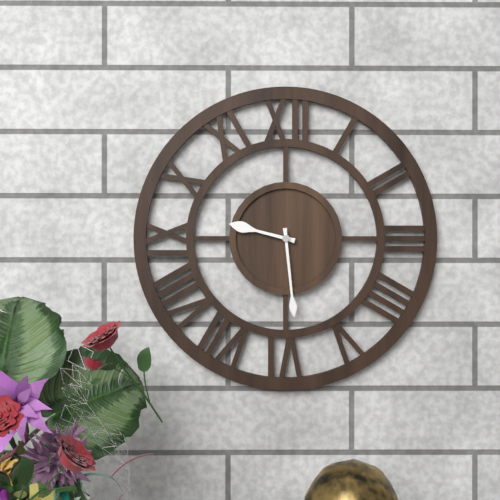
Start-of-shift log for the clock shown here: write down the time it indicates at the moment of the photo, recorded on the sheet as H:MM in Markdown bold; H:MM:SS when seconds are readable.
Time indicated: **9:29**
